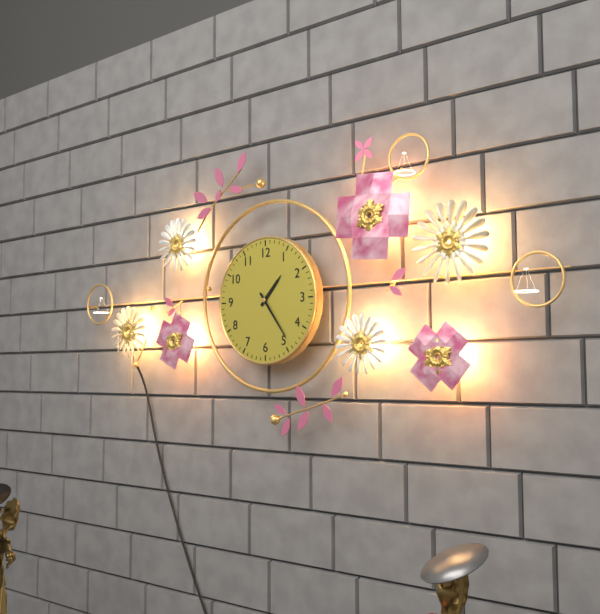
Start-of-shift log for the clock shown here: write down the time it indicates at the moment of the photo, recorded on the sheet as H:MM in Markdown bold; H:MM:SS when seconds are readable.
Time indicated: **1:24**
